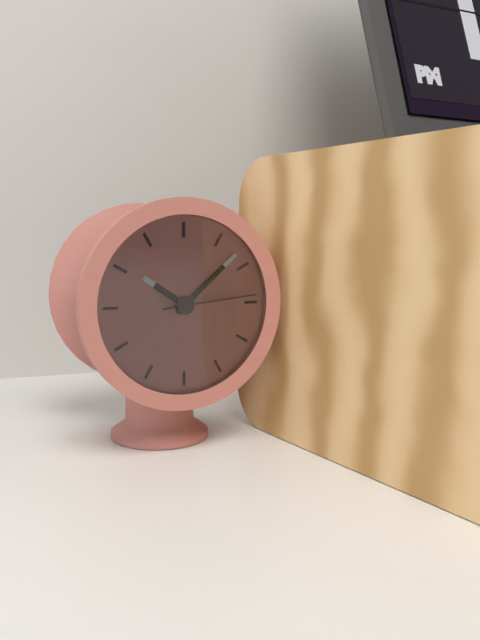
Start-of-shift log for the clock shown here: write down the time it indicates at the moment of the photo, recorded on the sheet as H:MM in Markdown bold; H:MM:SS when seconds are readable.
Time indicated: **10:08:14**
